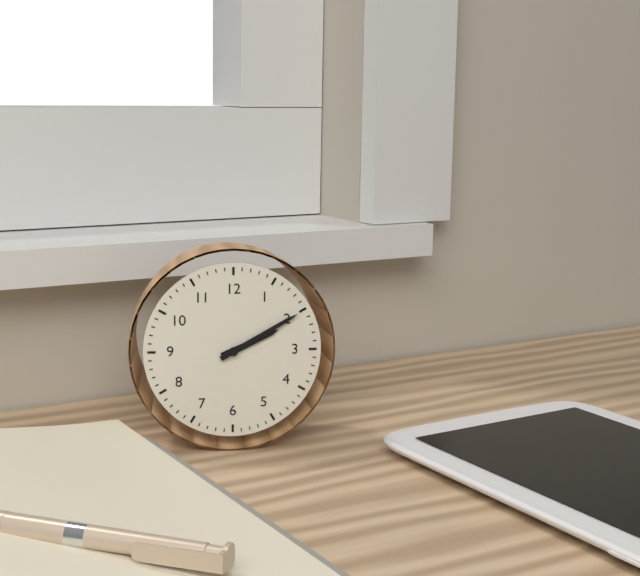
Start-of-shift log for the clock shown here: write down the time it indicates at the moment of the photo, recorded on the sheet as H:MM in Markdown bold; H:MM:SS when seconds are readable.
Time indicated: **2:10**
